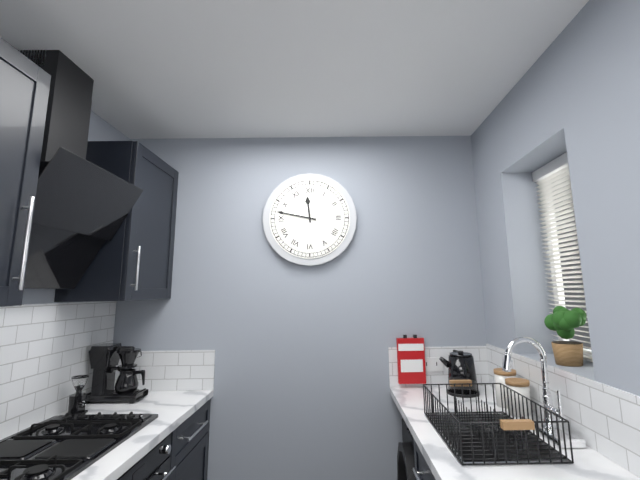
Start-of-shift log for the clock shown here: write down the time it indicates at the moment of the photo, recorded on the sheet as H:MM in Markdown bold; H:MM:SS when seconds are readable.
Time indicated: **11:47**
